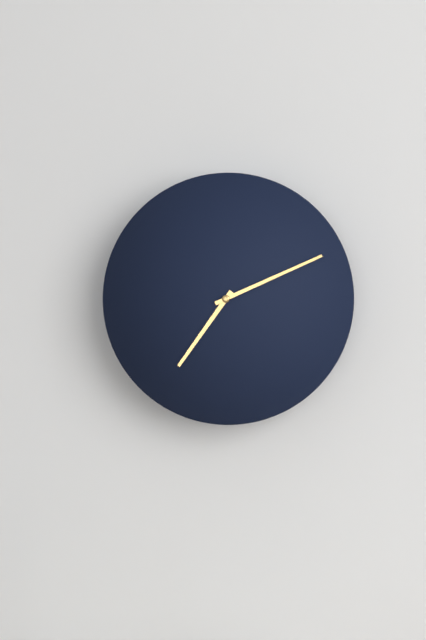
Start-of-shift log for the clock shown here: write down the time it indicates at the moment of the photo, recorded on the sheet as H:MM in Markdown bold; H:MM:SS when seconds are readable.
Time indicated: **7:11**
